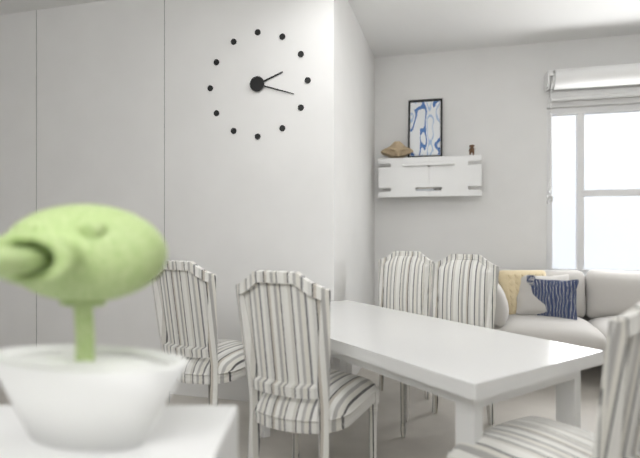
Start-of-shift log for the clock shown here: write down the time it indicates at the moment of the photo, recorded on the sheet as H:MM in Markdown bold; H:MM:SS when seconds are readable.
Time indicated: **2:18**
